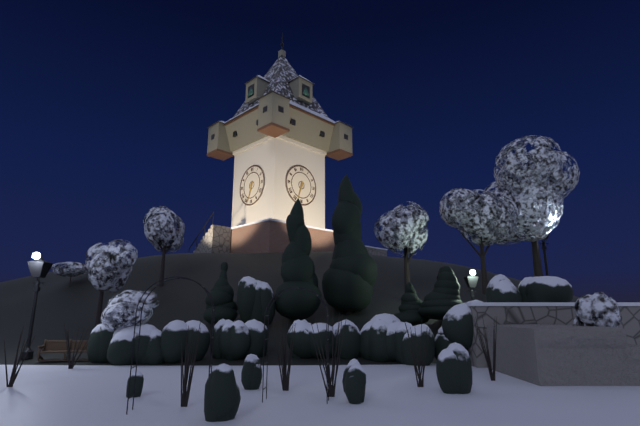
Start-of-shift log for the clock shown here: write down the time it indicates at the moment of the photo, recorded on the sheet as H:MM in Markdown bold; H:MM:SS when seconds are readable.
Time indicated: **6:33**
